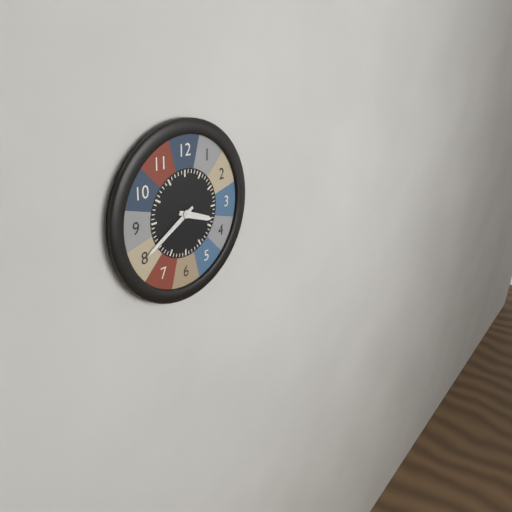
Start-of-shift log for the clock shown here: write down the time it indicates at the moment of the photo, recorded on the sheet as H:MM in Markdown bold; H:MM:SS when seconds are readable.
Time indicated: **3:40**
